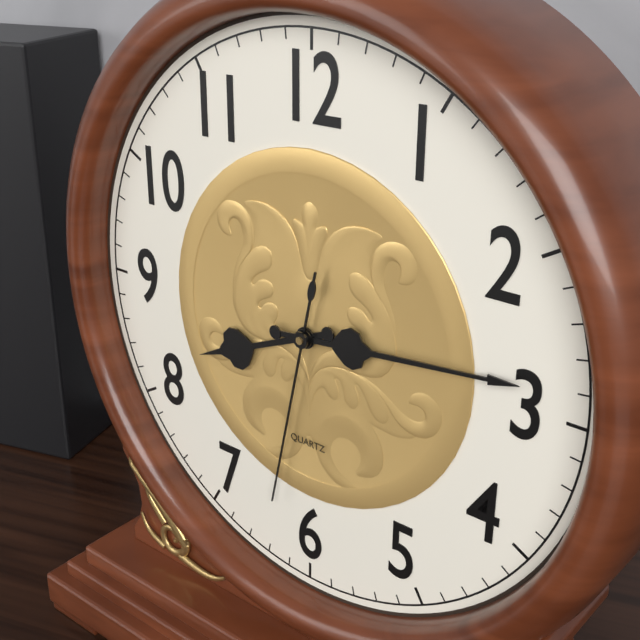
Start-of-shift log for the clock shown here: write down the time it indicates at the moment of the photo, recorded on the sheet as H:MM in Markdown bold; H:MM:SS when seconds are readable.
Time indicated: **8:14:32**
